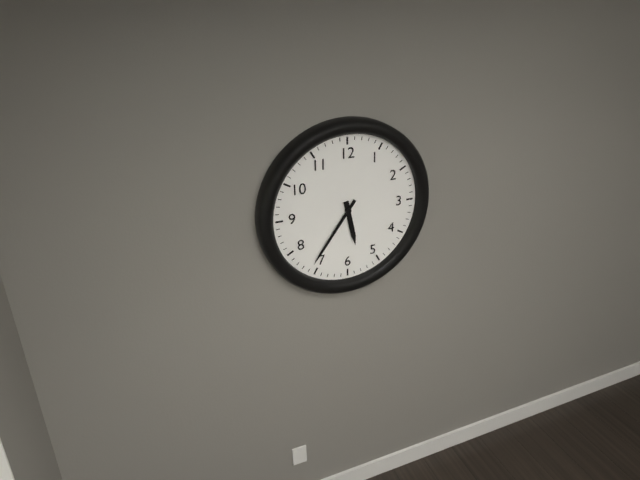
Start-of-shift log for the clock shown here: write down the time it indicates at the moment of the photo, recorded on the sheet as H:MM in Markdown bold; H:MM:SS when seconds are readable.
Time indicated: **5:36**
